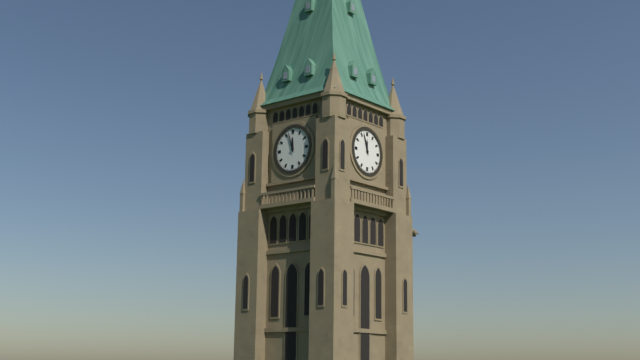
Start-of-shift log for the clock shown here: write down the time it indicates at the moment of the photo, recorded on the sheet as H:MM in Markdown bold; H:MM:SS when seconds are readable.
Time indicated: **11:57**
